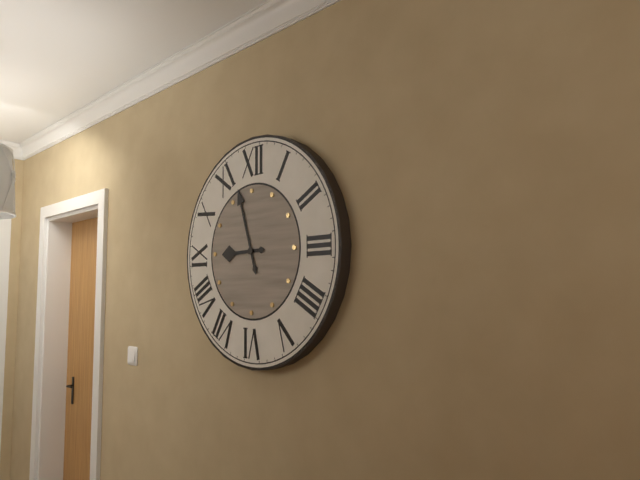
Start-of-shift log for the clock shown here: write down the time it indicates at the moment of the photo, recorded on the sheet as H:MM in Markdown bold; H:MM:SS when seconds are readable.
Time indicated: **8:57**
